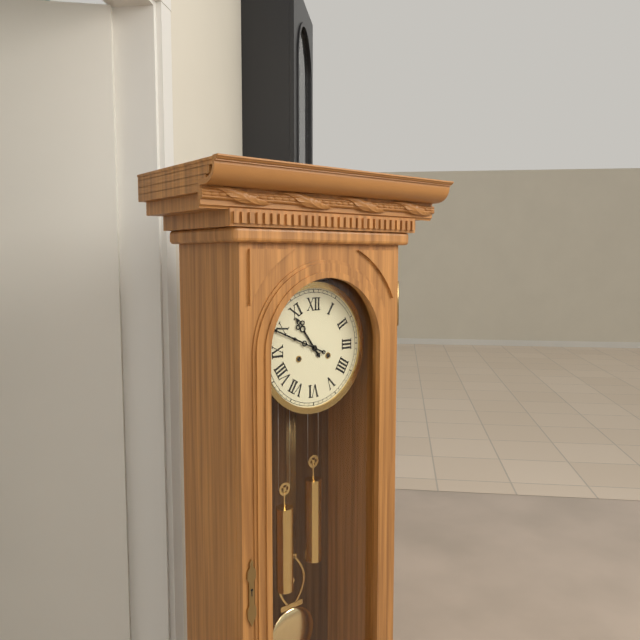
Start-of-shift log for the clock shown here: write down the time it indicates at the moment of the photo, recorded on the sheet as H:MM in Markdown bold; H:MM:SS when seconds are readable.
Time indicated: **10:49**
